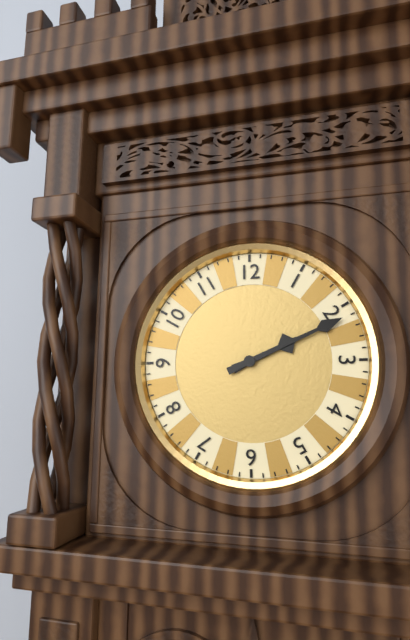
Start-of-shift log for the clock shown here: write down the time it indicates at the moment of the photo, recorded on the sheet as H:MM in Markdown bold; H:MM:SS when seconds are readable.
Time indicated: **2:11**
